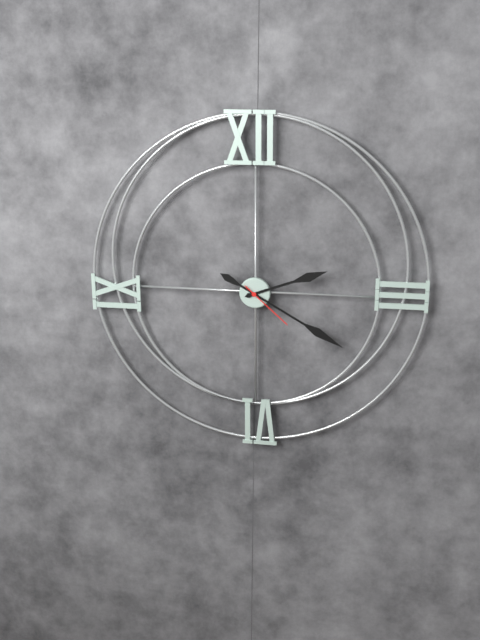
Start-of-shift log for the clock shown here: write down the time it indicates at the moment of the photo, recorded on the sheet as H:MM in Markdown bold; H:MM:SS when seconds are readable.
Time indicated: **2:20:22**
